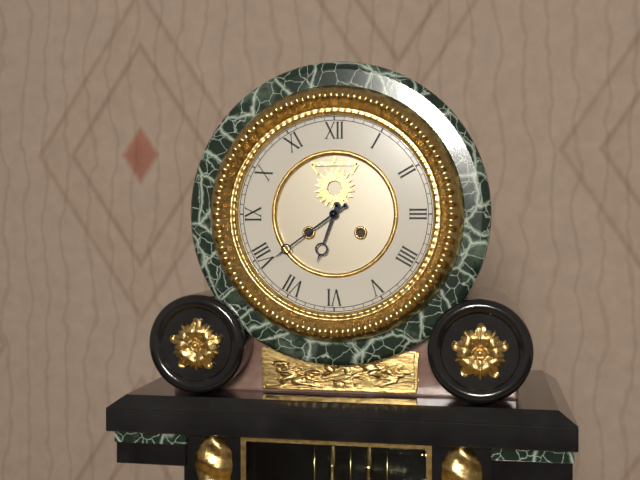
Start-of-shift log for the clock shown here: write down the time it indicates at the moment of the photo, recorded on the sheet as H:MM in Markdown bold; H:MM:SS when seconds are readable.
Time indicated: **6:39**
